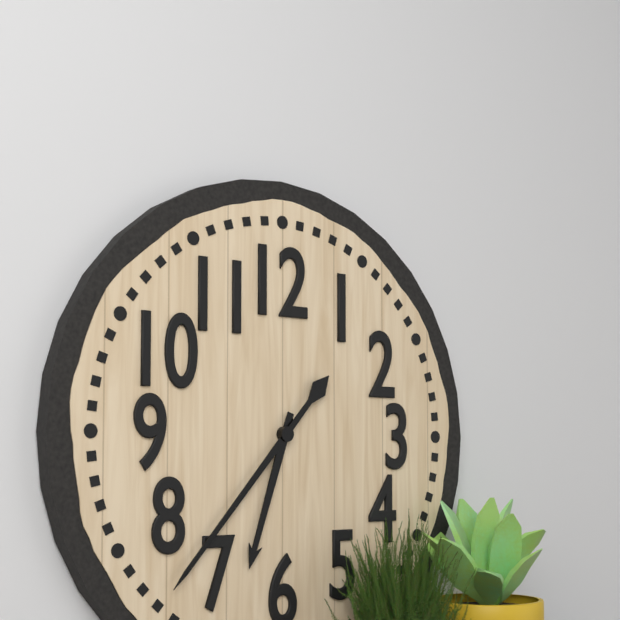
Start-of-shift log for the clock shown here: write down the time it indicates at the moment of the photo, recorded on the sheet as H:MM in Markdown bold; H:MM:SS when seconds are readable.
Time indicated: **6:37**
